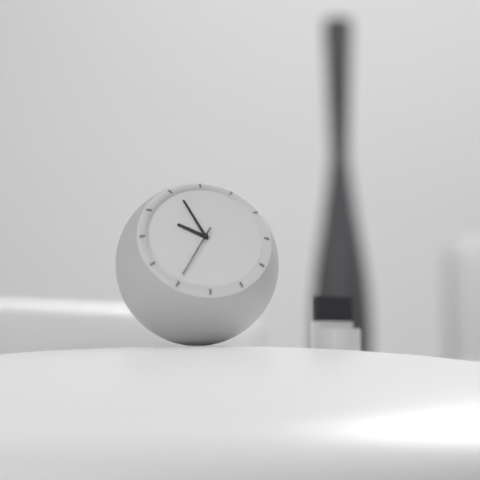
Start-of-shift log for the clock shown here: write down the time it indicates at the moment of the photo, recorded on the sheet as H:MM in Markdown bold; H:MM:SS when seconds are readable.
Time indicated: **9:56:35**
